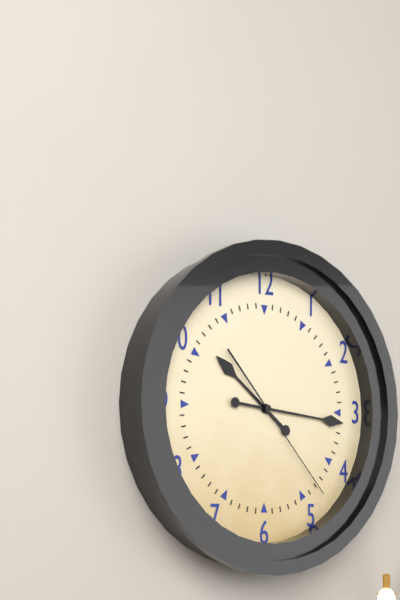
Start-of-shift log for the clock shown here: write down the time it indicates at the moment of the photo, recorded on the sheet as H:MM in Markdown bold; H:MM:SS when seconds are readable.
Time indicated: **10:16:23**
